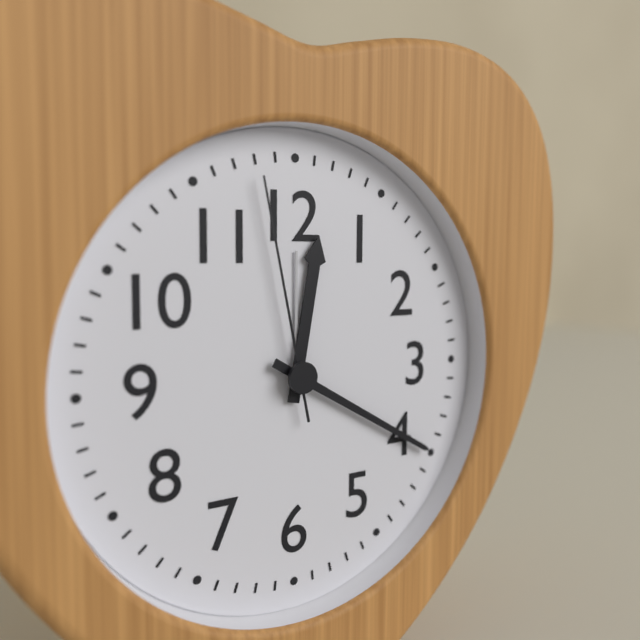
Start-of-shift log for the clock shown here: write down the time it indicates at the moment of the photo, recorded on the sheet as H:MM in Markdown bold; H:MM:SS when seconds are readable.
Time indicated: **12:20:58**
